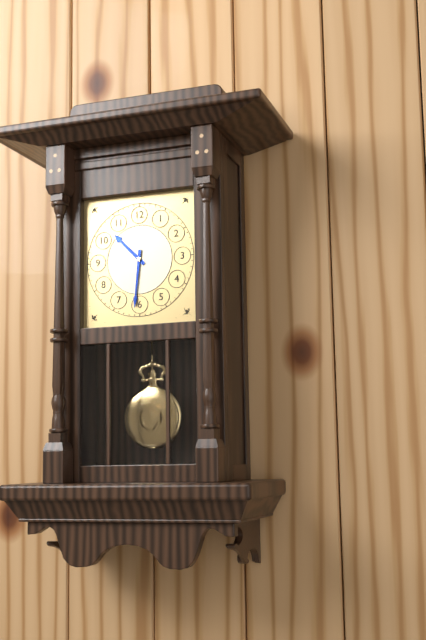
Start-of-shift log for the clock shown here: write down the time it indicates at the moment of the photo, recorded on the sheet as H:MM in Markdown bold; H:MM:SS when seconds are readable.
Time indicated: **10:31**
